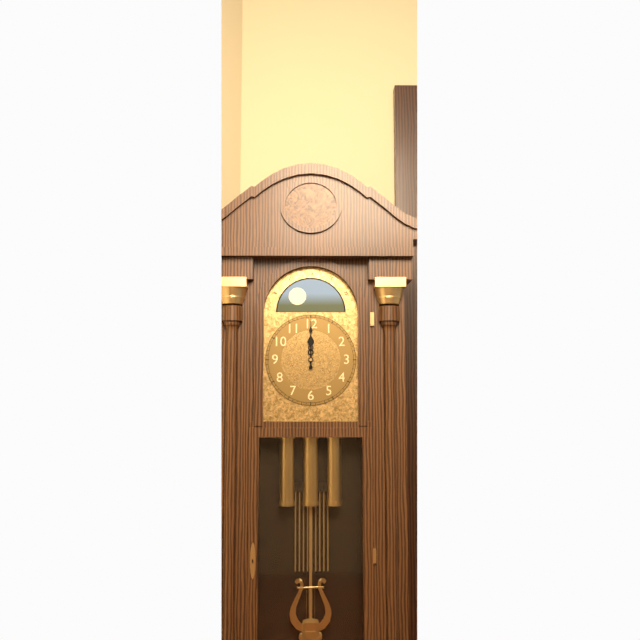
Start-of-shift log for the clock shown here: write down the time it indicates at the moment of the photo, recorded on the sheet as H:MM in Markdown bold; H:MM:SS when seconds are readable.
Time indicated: **12:00**
